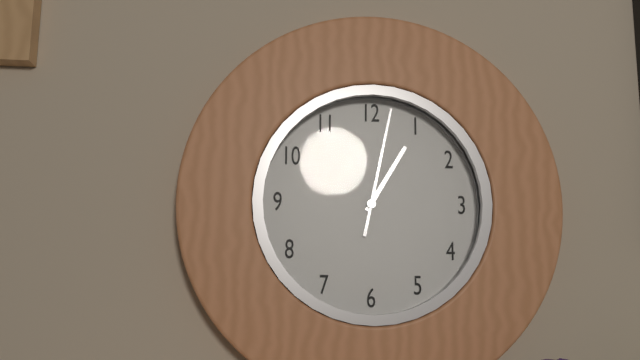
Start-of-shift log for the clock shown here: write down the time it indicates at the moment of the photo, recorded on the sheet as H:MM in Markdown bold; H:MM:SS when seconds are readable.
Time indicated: **1:02:02**
